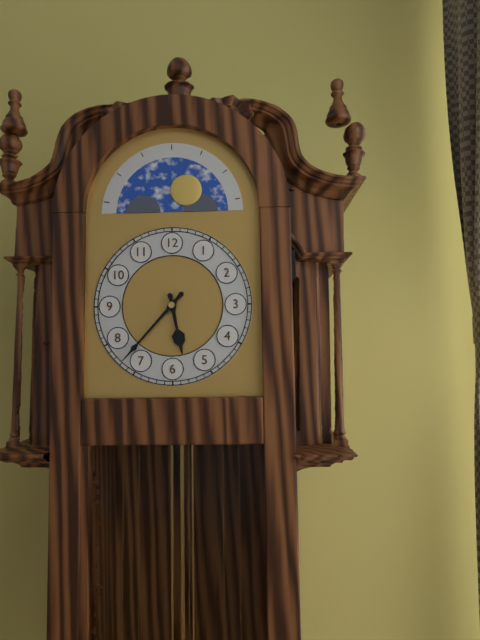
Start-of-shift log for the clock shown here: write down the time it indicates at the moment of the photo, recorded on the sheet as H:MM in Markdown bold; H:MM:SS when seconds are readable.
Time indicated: **5:37**
